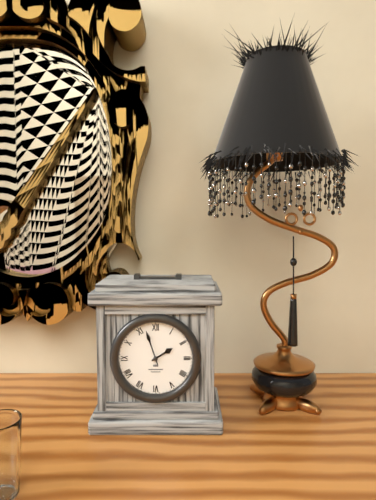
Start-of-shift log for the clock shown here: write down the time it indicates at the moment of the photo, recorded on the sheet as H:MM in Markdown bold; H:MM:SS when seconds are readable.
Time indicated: **1:57**
